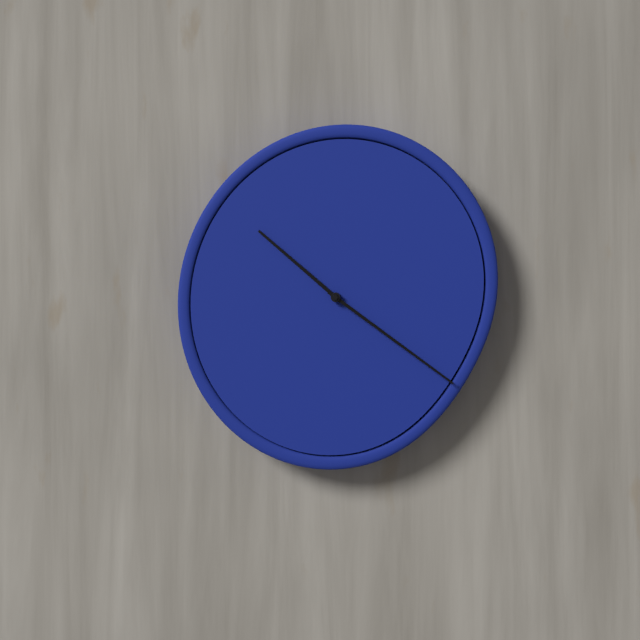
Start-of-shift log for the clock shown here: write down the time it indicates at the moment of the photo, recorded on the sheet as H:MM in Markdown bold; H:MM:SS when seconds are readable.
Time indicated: **10:21**
